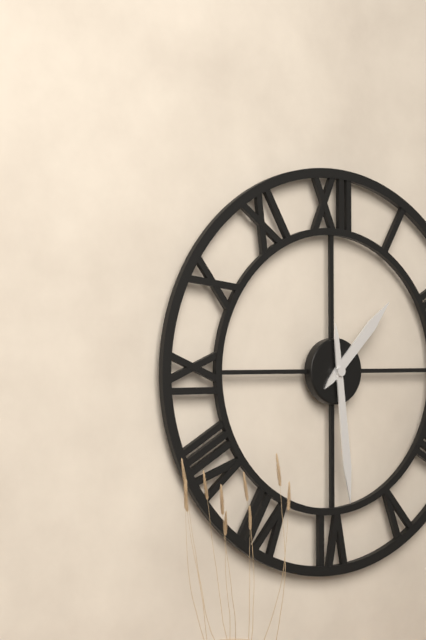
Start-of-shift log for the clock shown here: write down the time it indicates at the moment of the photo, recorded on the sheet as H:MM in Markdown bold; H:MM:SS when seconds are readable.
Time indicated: **1:29**
